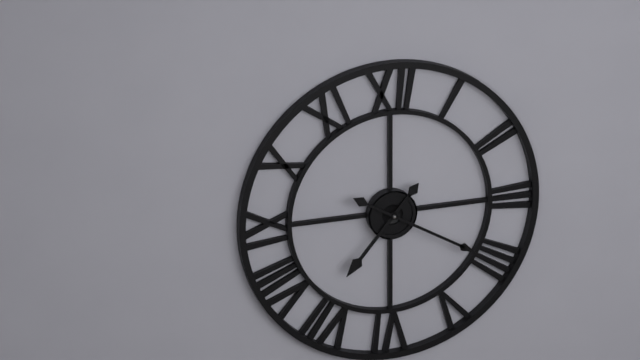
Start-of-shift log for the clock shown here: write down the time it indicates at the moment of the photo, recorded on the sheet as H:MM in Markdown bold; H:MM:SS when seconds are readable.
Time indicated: **7:20**
